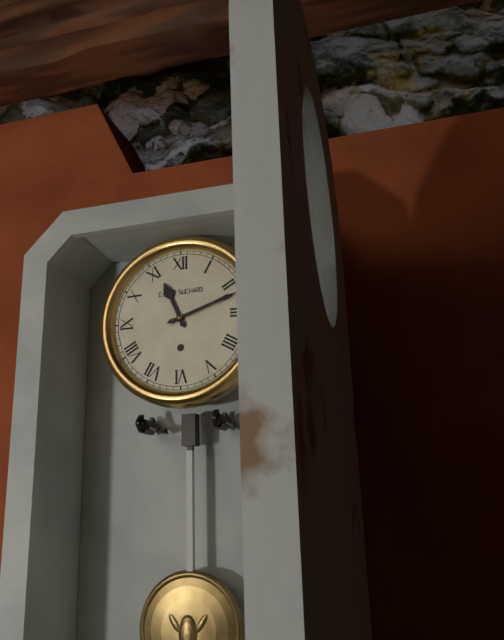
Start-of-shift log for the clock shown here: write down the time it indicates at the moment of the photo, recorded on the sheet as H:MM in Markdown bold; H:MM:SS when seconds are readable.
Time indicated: **11:12**
